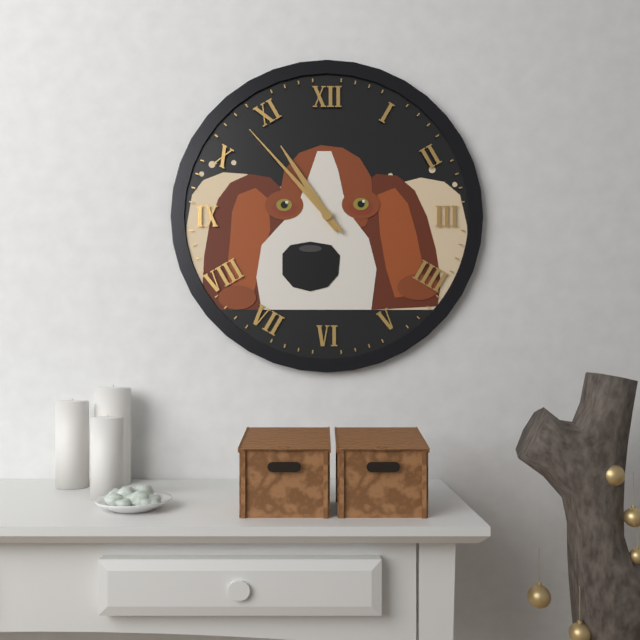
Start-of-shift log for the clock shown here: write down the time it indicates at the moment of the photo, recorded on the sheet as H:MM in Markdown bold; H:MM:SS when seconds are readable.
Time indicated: **10:53**
